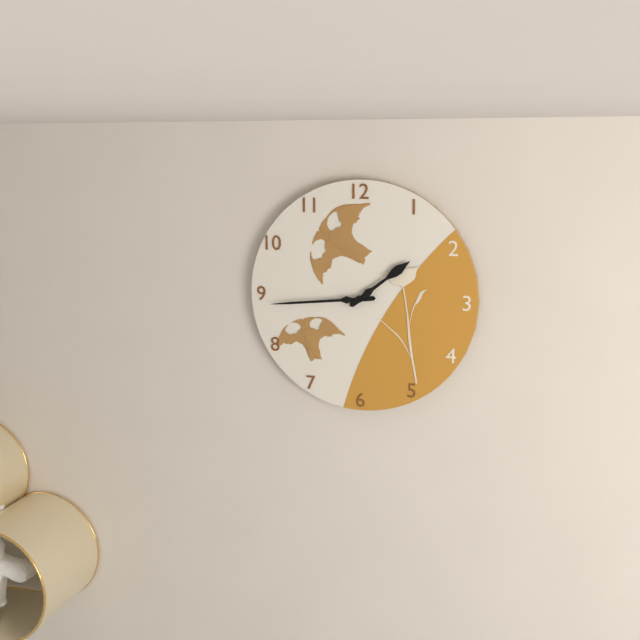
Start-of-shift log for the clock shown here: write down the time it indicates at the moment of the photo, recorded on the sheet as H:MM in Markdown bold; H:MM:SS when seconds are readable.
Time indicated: **1:44**
